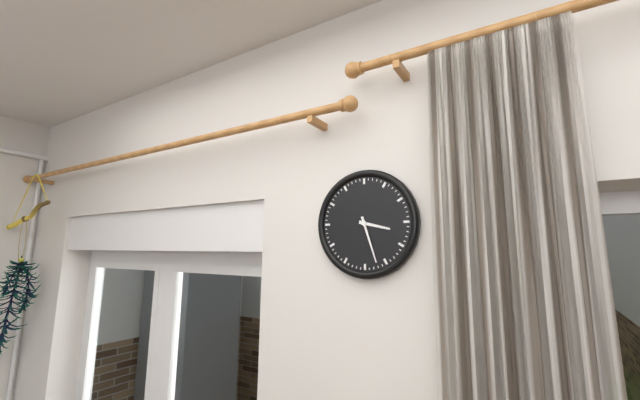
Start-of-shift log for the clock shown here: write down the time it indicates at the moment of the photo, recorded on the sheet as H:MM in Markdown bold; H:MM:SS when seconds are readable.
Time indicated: **3:27**
